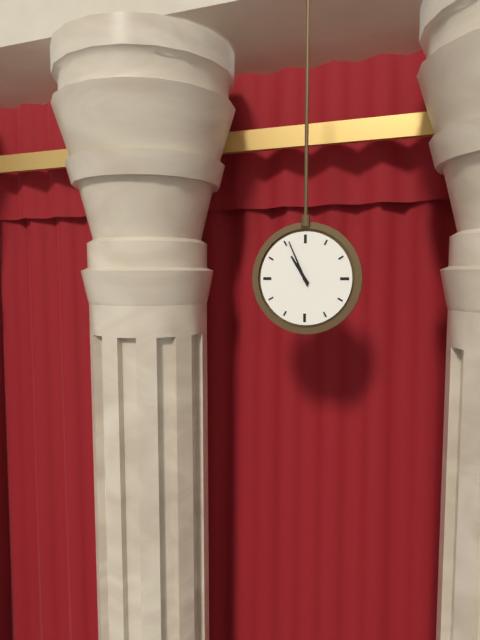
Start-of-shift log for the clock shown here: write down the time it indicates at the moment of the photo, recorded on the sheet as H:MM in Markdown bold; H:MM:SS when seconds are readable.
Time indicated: **10:56**
